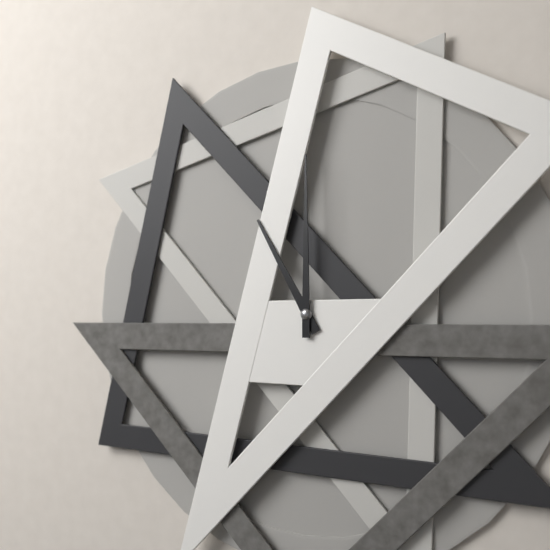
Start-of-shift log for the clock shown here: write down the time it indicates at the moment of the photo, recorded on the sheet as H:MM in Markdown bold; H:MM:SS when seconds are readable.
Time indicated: **11:00**
